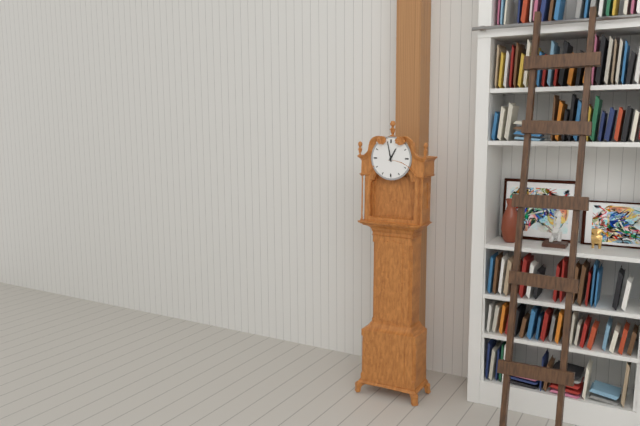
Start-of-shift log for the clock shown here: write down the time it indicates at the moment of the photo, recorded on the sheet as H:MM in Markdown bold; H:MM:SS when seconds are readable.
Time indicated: **12:58**
